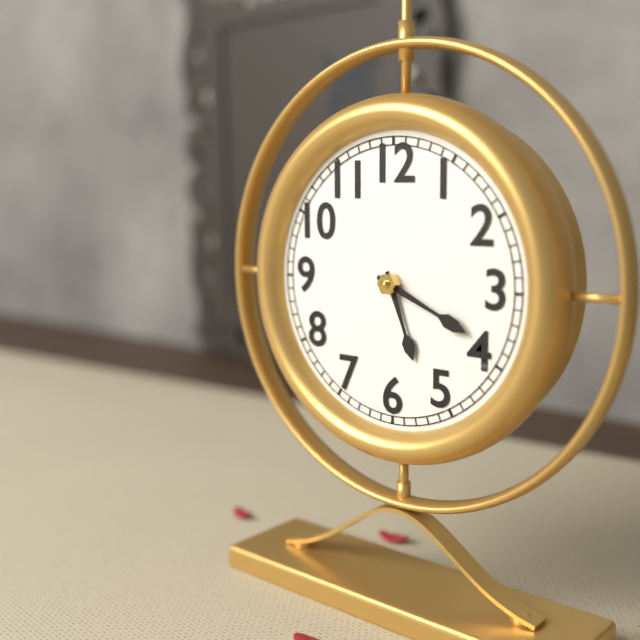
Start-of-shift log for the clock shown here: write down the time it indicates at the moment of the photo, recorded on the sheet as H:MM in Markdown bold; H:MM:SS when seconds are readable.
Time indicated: **5:19**
